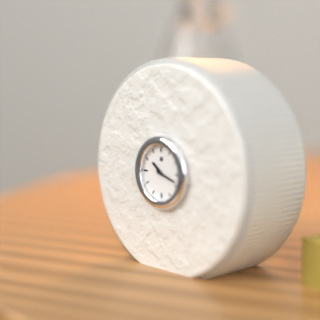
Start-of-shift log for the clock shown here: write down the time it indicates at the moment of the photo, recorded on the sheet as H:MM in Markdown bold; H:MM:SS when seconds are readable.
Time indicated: **10:18**
